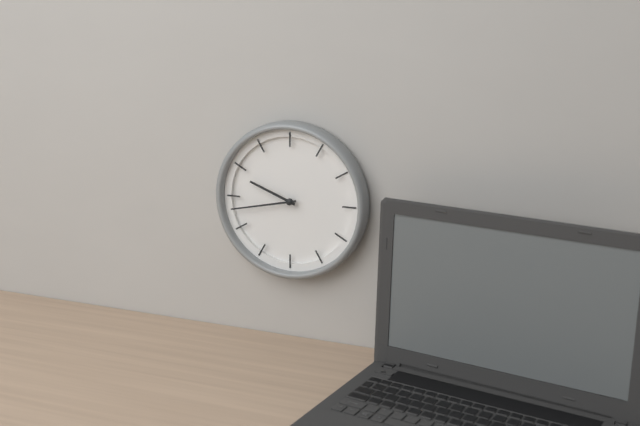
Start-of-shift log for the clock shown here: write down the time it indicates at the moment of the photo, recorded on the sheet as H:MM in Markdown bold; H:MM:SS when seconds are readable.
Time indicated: **9:43**
